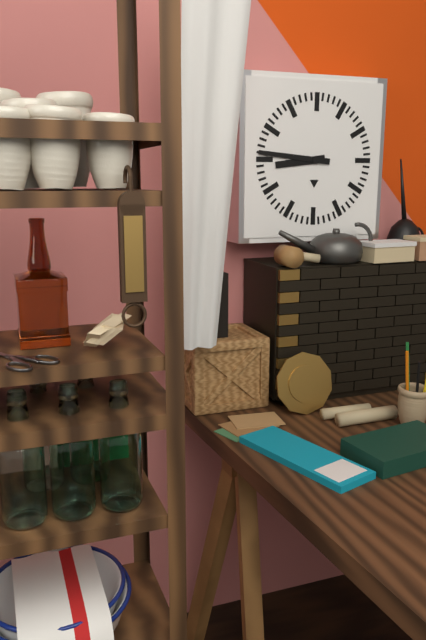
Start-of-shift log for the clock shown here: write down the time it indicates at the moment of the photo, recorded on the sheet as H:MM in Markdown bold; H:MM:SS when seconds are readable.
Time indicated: **8:46**
